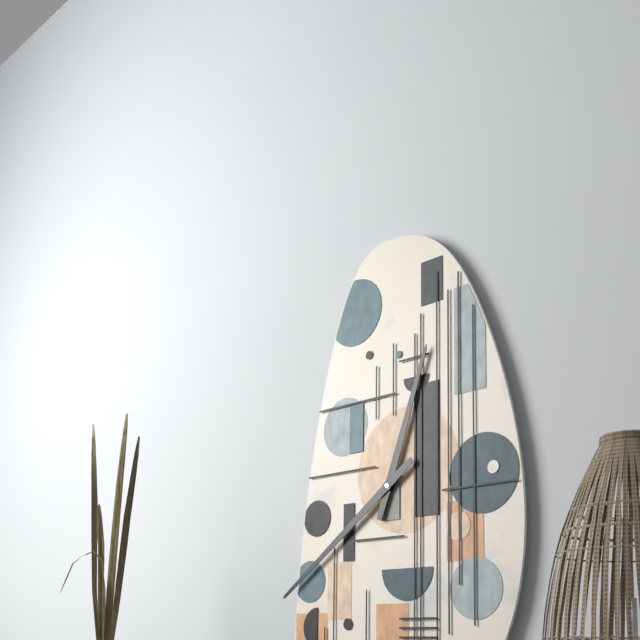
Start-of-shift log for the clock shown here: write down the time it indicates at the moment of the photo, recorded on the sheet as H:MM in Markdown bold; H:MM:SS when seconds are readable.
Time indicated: **12:39**
